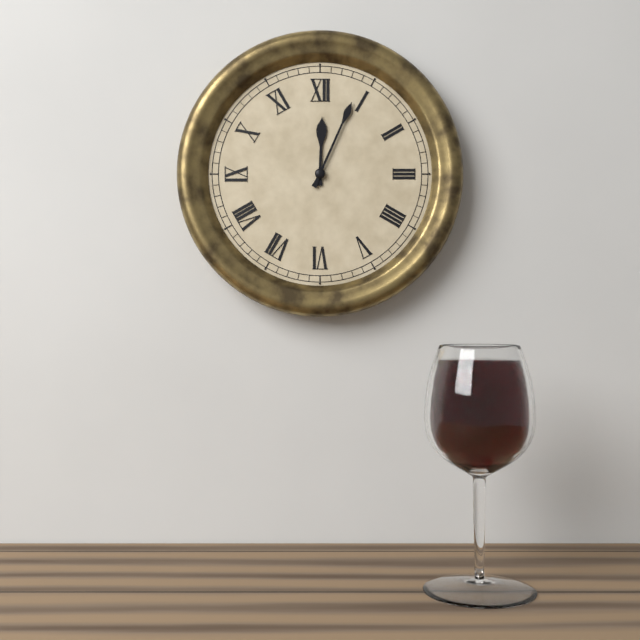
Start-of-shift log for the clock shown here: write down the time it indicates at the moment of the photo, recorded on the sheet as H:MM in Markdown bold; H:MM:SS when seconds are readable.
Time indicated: **12:04**
